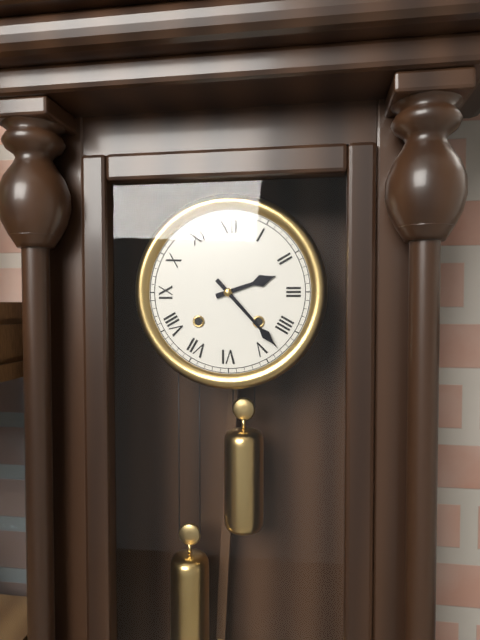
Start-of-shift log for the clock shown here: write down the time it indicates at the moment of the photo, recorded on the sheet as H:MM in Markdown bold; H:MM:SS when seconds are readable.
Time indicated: **2:23**
